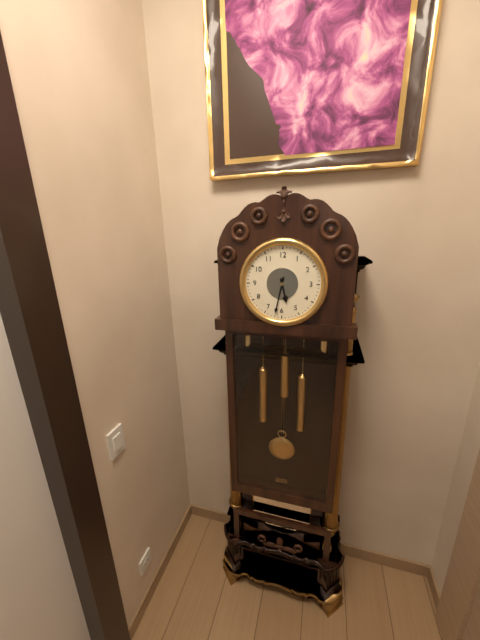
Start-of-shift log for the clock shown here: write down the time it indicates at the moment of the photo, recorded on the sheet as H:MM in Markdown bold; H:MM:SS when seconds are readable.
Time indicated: **5:32**
